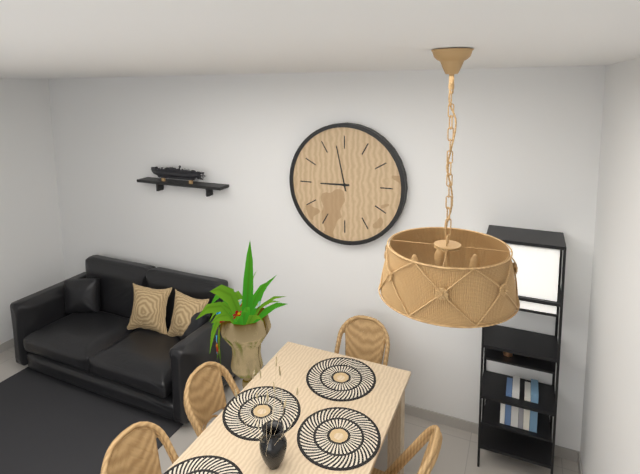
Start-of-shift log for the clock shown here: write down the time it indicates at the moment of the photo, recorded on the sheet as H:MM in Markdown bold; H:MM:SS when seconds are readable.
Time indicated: **8:58**
